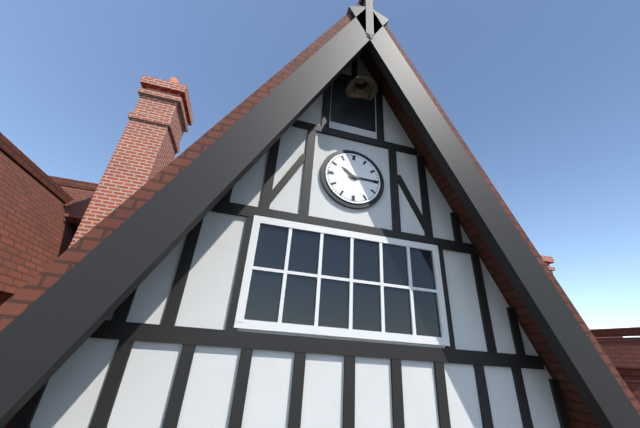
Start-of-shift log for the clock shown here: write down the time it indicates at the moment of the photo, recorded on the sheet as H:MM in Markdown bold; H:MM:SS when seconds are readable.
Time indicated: **10:15**
